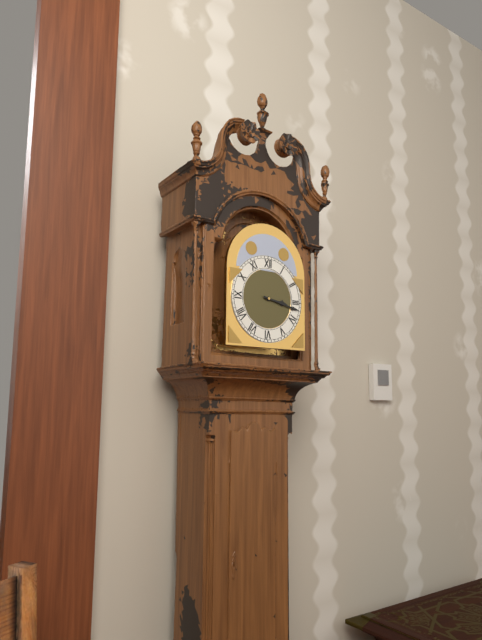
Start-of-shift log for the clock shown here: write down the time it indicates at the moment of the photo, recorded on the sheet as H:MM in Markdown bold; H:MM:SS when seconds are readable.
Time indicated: **3:17**
